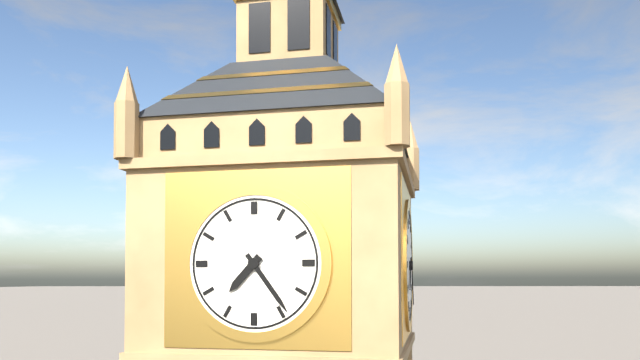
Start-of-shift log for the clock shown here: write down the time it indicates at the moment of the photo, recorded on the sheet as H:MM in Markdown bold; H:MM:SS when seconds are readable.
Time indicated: **7:24**
